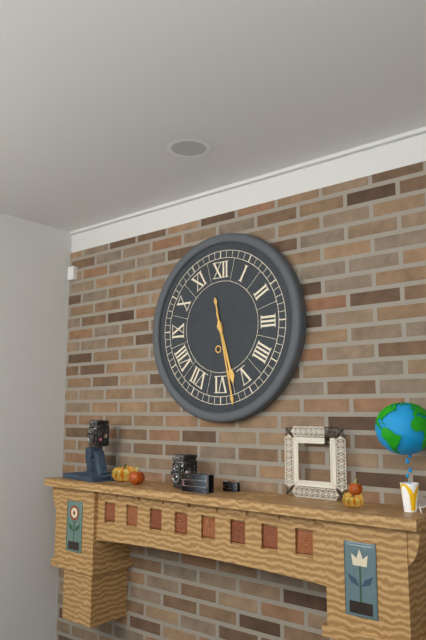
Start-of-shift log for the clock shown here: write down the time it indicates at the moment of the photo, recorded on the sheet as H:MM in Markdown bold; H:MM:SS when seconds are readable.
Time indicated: **5:28**
